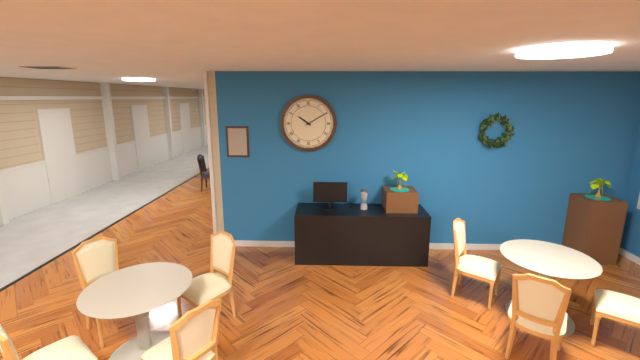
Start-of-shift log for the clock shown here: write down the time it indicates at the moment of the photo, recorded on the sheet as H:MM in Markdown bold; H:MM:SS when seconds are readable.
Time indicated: **10:10**
